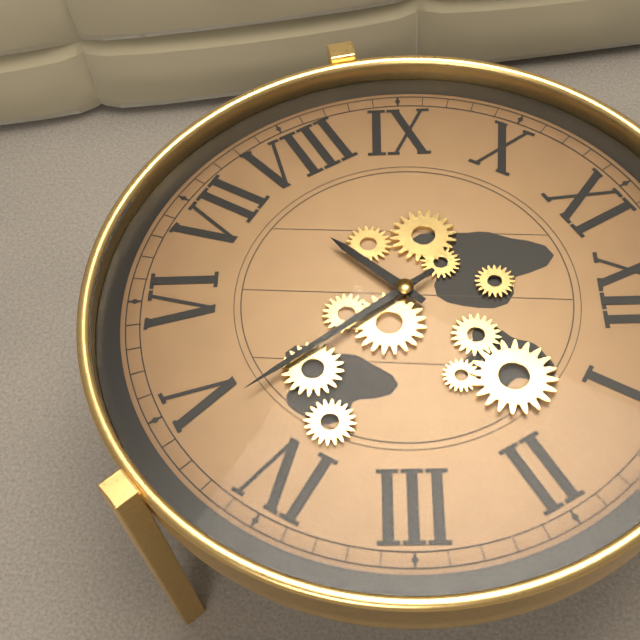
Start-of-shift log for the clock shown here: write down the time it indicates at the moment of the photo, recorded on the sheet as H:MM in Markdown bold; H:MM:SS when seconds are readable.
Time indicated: **7:24**
